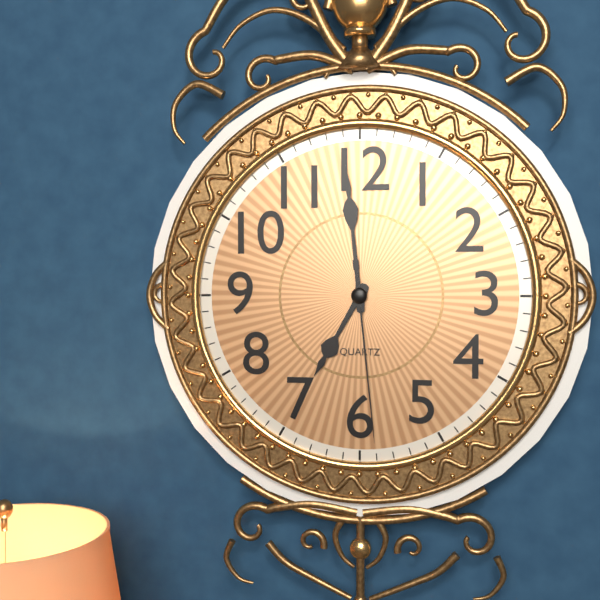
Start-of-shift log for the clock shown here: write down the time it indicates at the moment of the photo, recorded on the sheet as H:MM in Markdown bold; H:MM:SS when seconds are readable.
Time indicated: **6:59:29**
